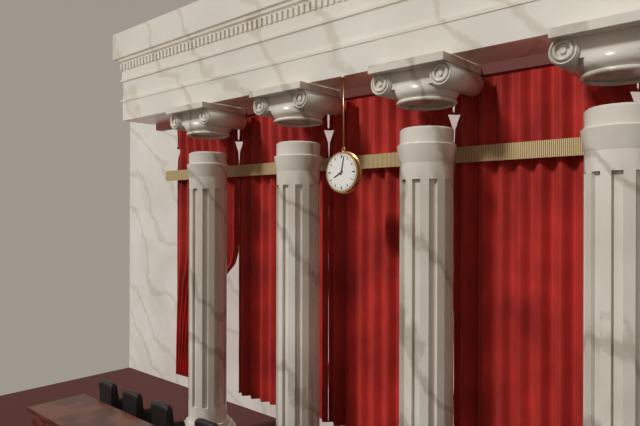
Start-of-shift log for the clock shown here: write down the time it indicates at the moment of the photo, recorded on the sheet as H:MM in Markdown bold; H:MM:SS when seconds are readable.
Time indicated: **8:02**
